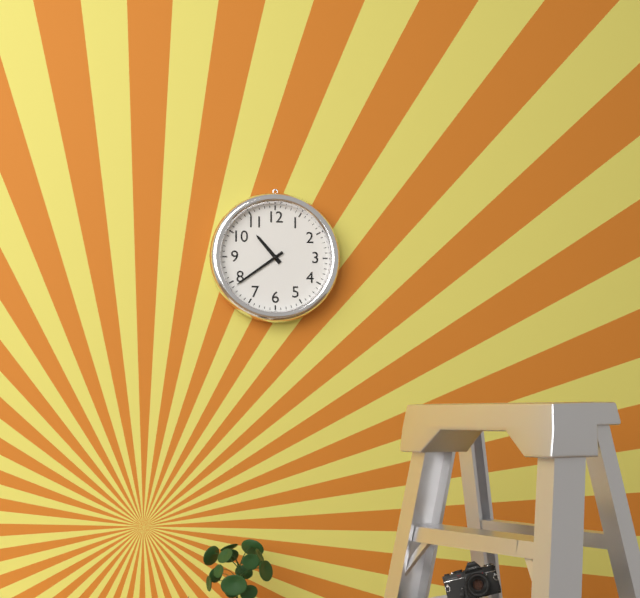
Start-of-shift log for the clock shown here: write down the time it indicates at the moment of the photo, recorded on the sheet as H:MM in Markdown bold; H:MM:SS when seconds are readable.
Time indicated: **10:39**
